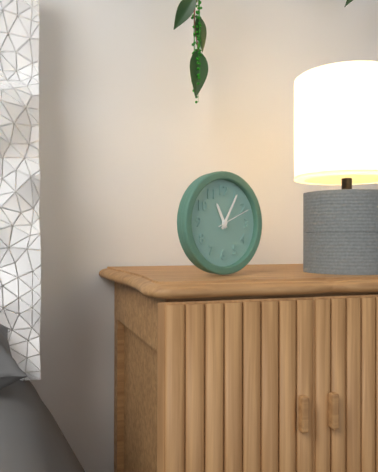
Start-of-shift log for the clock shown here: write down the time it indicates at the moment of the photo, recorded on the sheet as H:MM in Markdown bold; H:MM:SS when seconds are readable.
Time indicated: **11:05**
